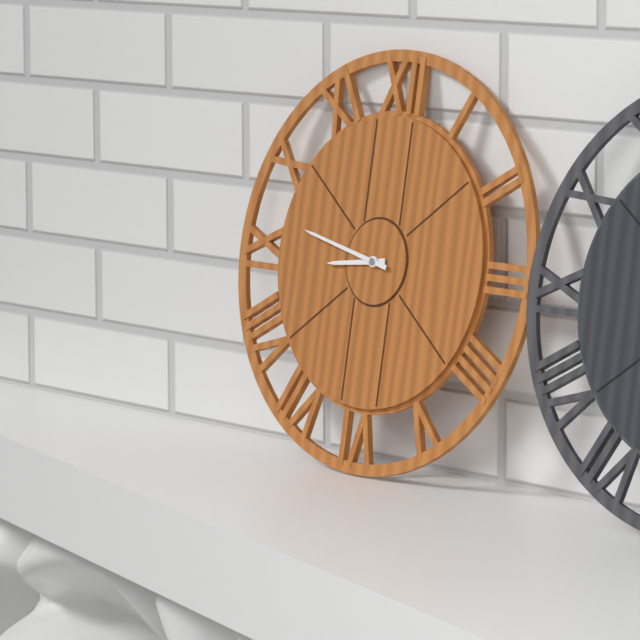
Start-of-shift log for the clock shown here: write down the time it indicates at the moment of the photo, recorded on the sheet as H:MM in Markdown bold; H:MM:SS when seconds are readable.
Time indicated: **8:47**
